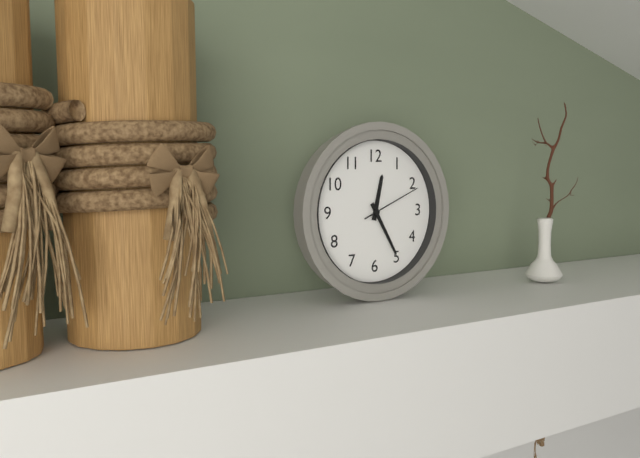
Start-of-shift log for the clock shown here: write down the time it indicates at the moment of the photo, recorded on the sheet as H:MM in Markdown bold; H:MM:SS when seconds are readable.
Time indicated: **12:25:11**
